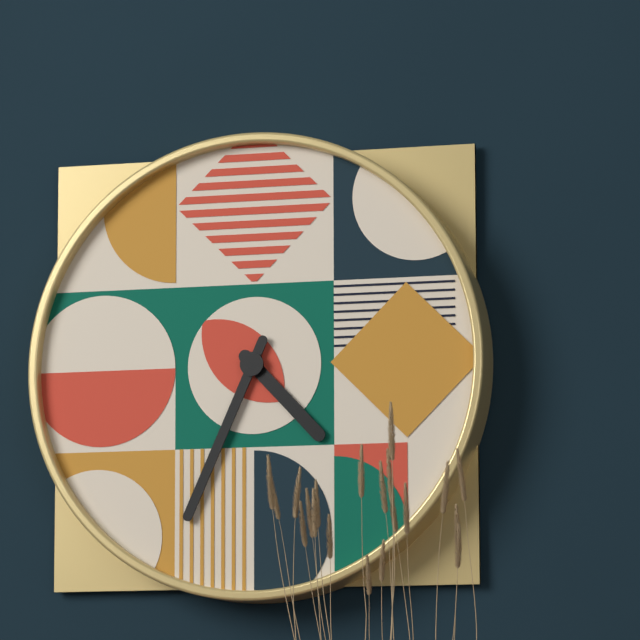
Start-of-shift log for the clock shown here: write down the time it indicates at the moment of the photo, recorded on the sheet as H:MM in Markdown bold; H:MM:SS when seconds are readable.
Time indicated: **4:34**
